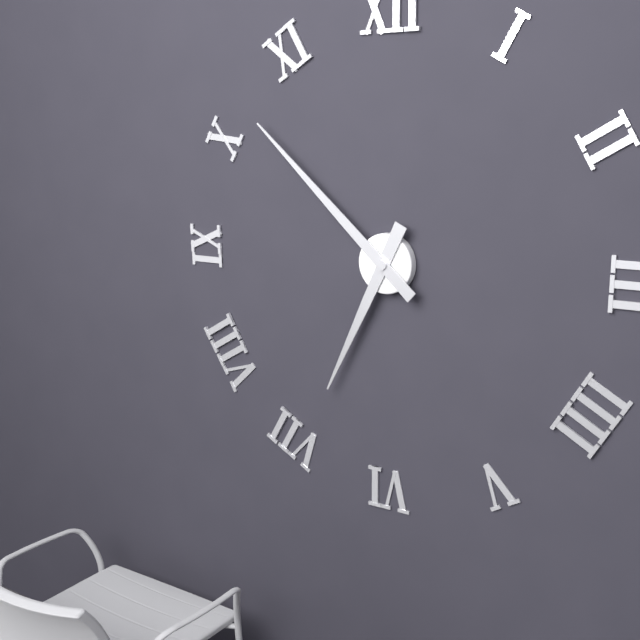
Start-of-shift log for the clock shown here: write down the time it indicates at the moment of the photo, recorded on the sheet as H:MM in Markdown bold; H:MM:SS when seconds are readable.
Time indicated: **6:52**
